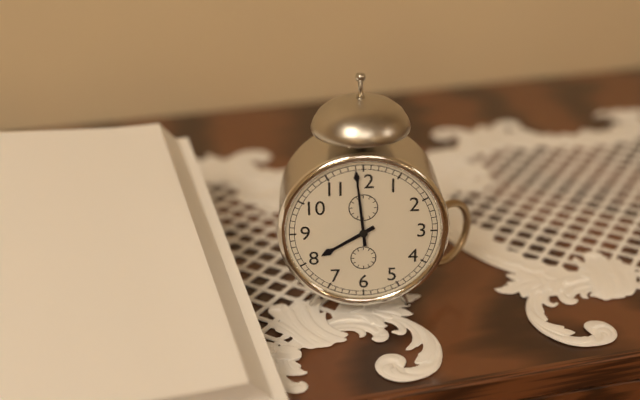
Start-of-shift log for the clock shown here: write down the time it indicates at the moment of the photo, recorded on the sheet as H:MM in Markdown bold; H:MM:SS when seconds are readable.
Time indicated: **7:59**
